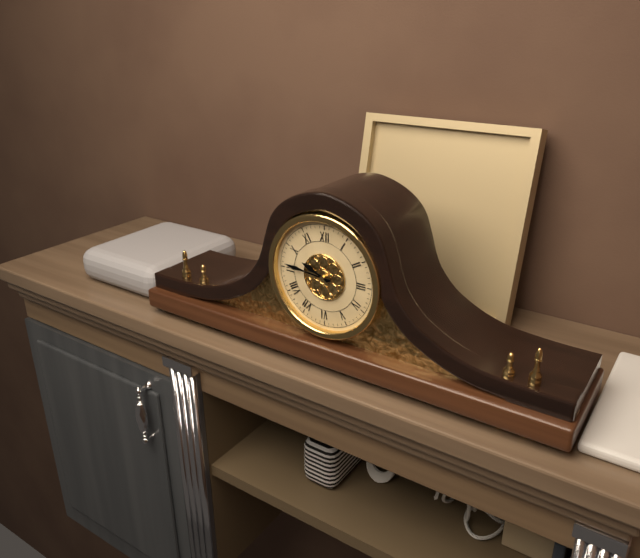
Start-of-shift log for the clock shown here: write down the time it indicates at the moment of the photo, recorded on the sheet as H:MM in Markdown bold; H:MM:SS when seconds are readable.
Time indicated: **9:46**
